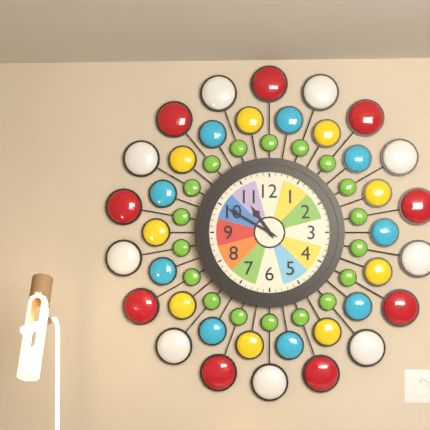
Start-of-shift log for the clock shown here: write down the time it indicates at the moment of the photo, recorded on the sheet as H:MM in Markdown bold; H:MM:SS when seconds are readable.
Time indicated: **10:50**
